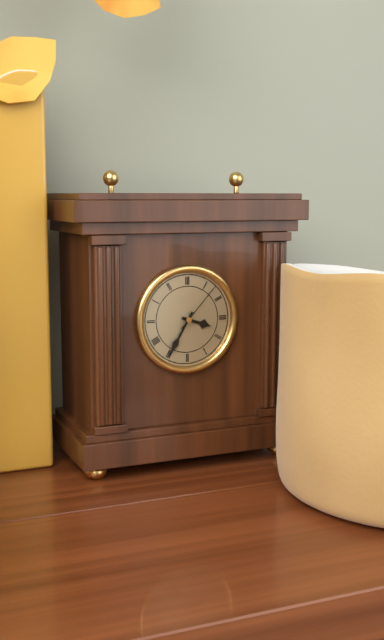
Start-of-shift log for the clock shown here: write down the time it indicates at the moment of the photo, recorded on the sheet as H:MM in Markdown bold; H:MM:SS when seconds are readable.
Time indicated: **3:35:07**
